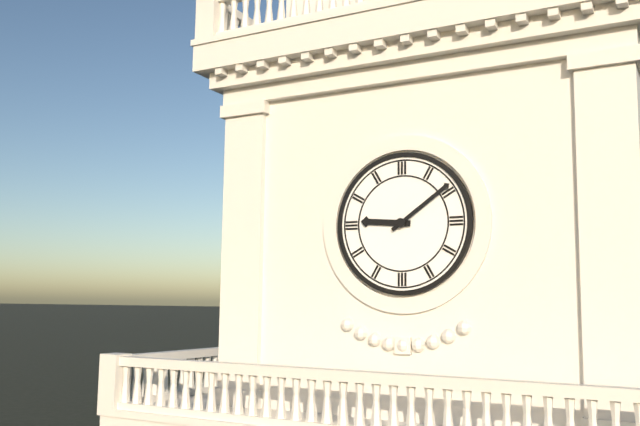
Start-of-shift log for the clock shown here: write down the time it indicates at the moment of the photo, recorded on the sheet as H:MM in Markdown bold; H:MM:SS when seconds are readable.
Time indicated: **9:09**
